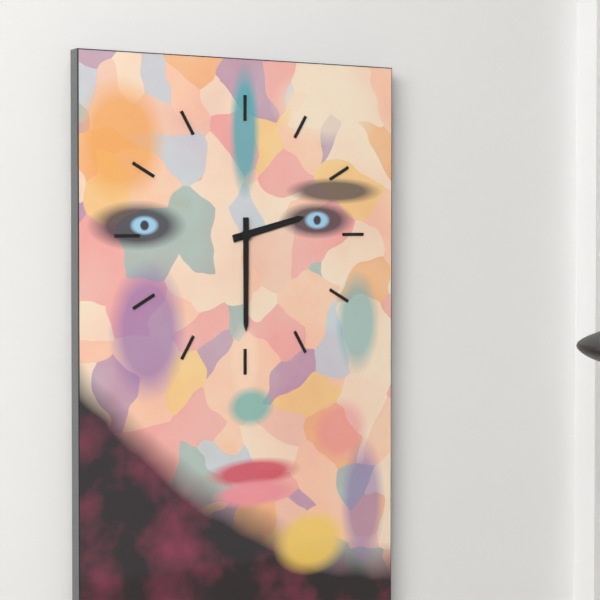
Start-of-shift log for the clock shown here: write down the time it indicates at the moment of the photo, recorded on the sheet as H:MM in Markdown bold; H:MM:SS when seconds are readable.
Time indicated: **2:30**
